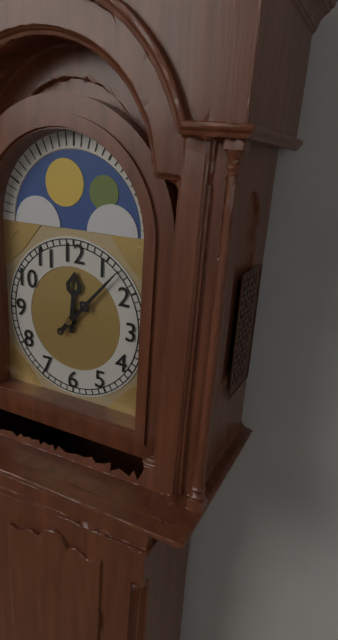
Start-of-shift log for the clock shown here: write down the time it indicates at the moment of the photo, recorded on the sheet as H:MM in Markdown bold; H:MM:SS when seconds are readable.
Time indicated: **12:07**
